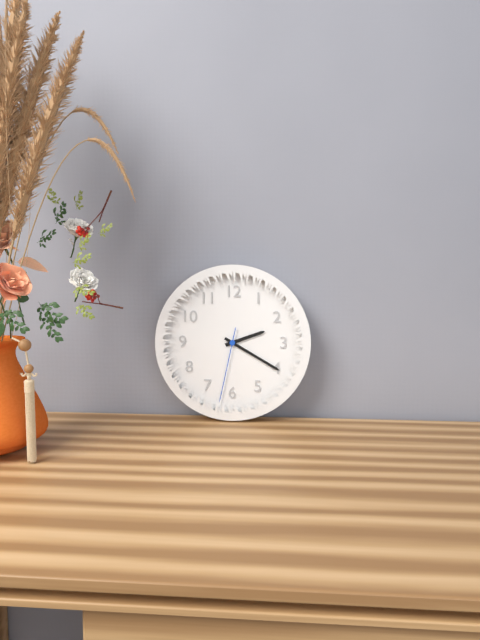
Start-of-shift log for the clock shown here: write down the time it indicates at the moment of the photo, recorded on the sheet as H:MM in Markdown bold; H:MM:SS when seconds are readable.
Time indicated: **2:20:32**
